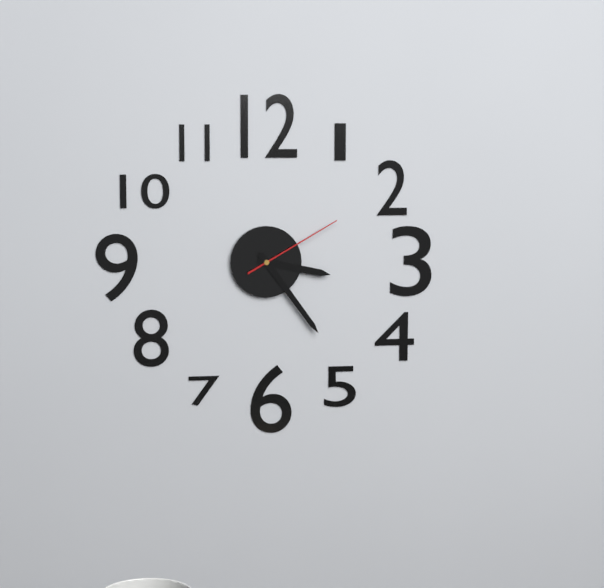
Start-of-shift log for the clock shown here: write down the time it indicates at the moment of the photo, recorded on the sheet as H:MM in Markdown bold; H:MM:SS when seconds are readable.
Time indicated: **3:24:10**
